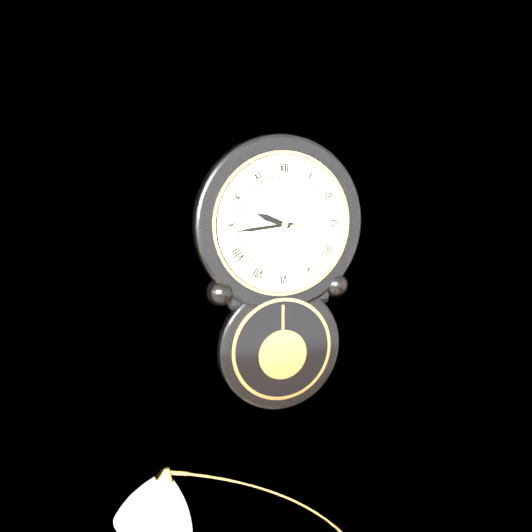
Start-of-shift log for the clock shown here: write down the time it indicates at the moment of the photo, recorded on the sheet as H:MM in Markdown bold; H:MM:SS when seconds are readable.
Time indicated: **9:44**
